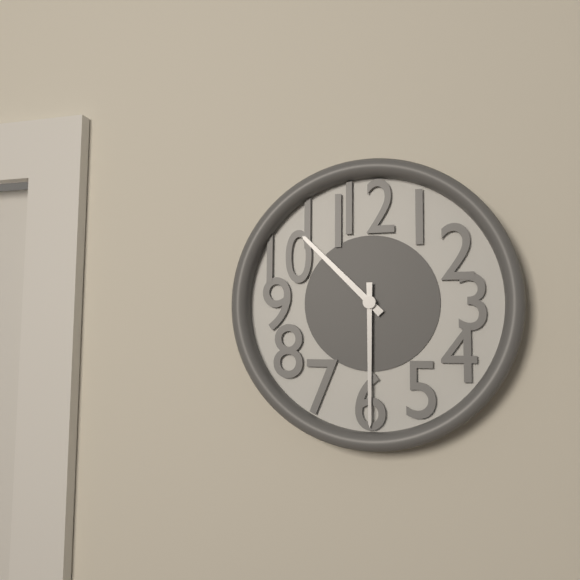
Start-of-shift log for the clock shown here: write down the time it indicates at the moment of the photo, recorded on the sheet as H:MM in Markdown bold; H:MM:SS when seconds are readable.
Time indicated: **10:30**
